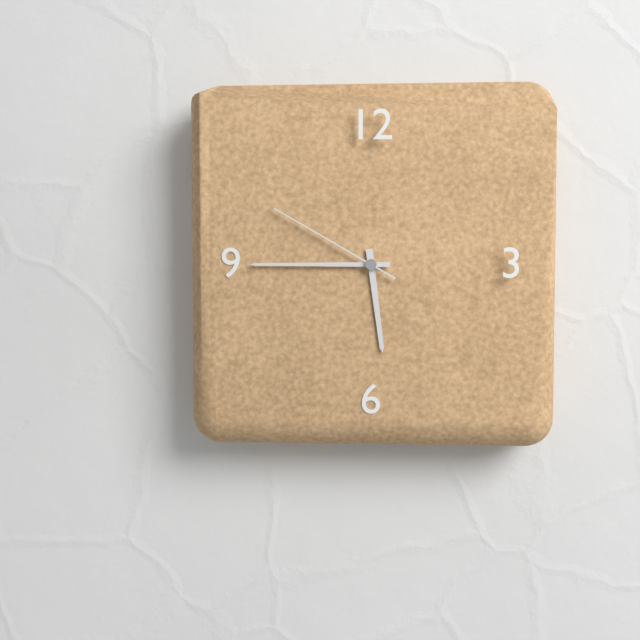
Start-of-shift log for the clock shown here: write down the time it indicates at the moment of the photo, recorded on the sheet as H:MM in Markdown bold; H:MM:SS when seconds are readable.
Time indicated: **5:45:50**
